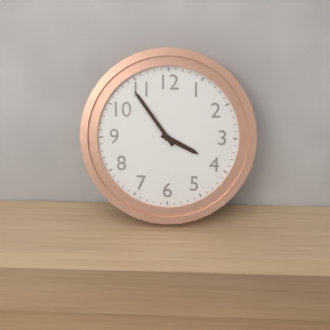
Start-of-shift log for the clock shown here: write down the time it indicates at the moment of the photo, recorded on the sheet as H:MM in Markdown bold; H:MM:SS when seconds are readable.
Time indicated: **3:54**
